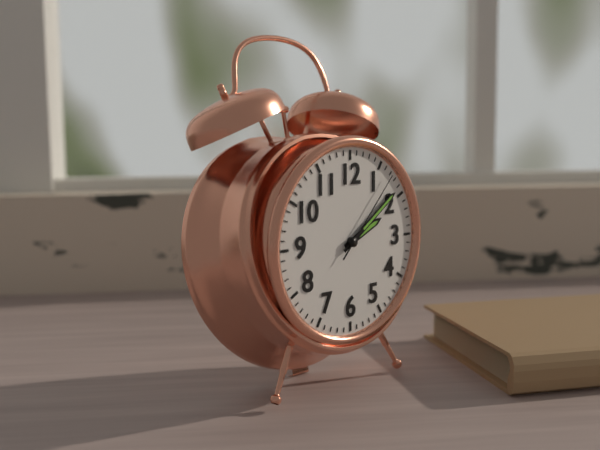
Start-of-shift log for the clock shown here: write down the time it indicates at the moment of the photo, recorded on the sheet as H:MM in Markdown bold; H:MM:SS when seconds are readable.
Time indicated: **2:09:07**
